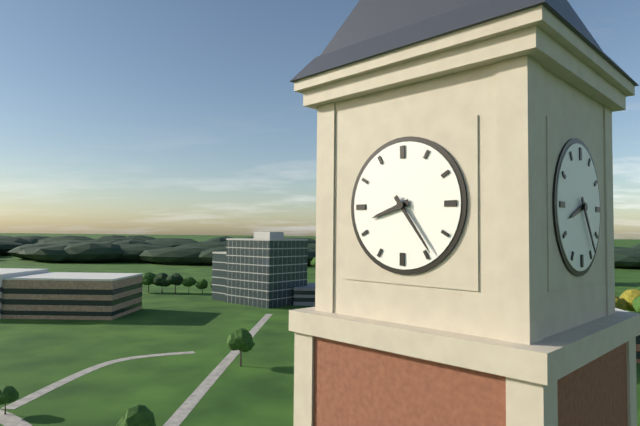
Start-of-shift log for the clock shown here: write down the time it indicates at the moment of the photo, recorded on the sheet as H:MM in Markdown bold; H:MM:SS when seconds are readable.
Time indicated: **8:24**
